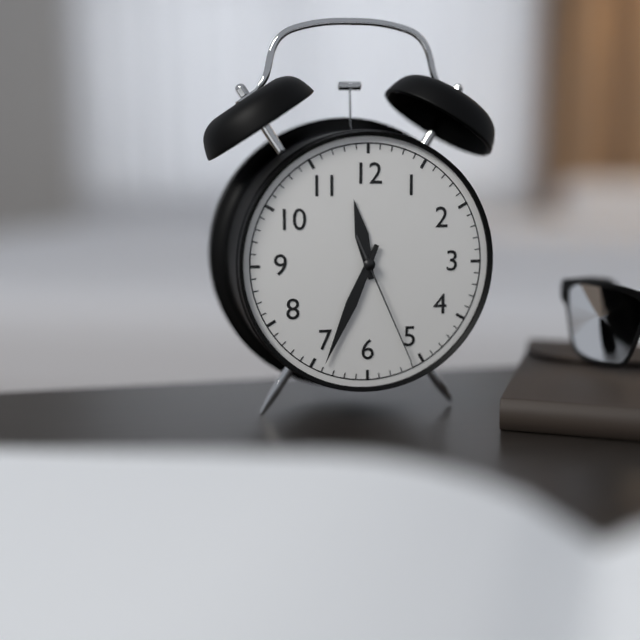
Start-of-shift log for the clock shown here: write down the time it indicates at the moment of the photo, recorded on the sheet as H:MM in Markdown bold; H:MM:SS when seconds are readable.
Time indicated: **11:34:26**
